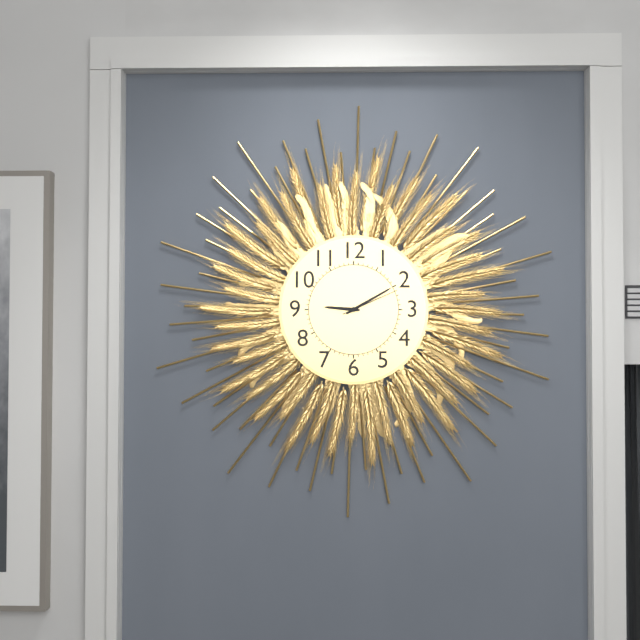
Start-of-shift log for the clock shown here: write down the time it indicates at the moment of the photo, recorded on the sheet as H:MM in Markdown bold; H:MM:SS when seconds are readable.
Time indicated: **9:10:11**
